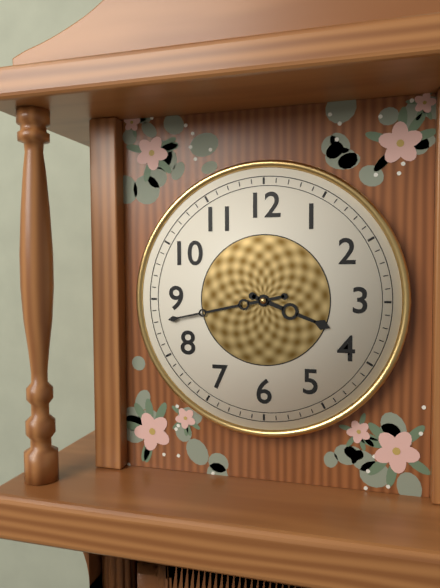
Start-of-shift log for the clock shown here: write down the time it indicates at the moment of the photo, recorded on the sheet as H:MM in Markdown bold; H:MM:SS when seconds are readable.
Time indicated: **3:43**
